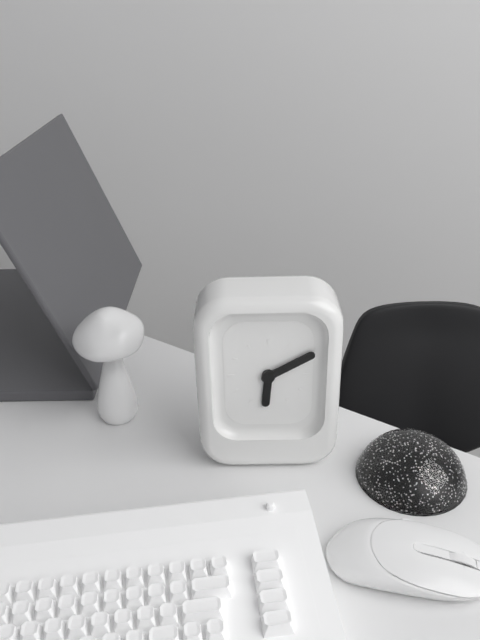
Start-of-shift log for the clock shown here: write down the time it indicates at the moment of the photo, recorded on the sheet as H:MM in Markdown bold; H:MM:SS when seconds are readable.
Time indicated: **6:10**
